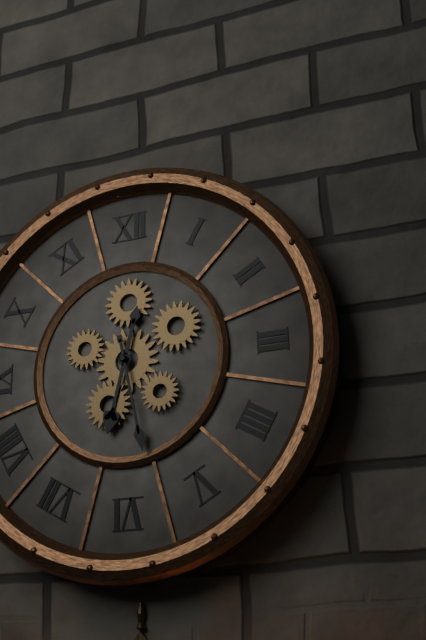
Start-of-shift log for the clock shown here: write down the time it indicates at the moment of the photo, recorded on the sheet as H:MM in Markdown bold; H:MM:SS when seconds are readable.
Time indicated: **6:28**
